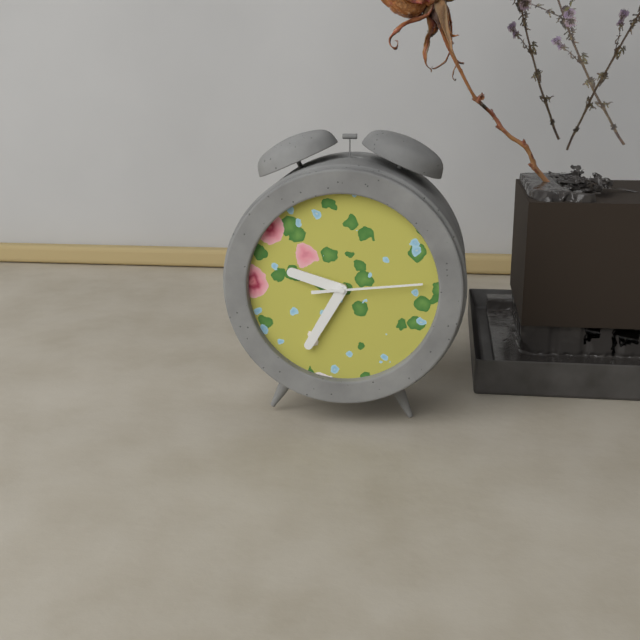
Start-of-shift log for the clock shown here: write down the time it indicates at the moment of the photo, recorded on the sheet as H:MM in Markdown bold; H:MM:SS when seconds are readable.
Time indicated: **9:35:14**
